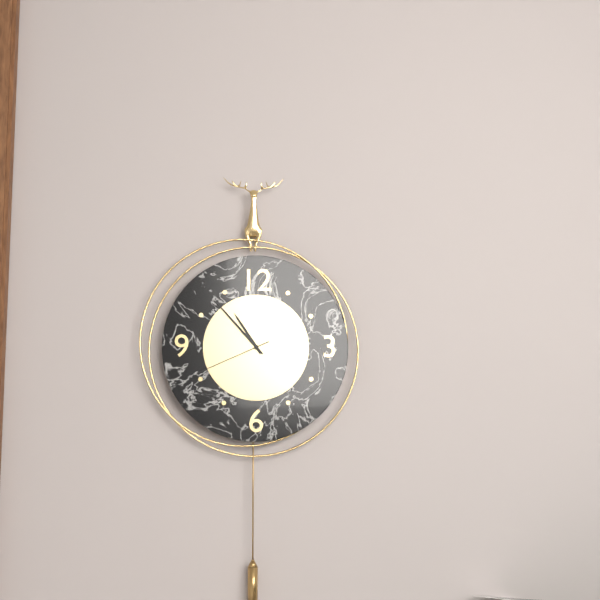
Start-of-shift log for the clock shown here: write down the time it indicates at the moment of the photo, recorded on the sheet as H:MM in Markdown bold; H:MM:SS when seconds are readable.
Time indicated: **10:53:41**
